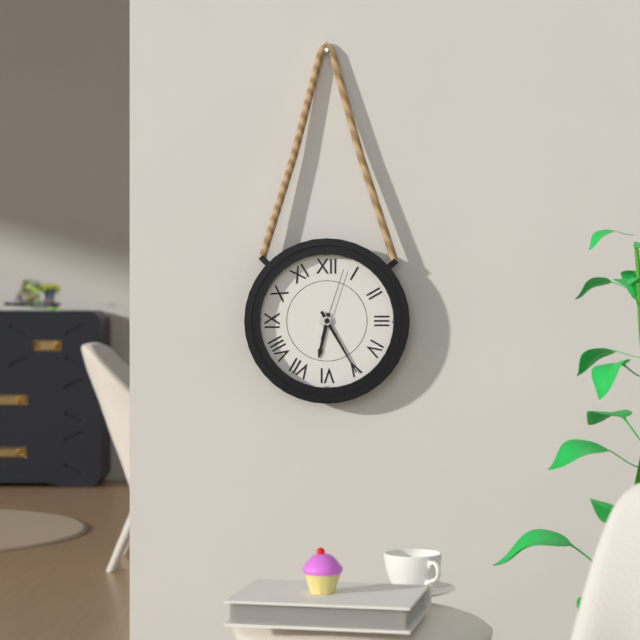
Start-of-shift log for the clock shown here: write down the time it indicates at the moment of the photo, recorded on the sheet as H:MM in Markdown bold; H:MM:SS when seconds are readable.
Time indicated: **6:25:03**
